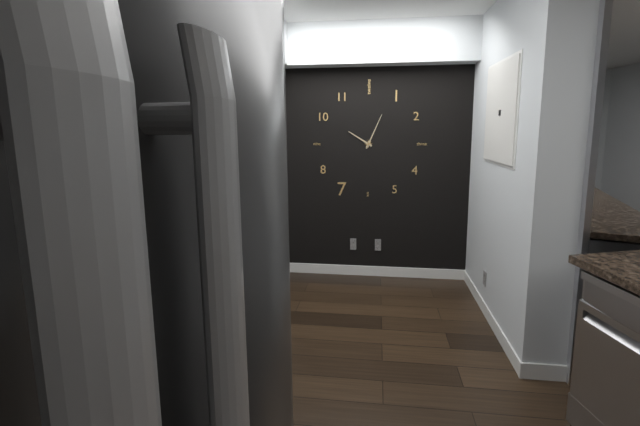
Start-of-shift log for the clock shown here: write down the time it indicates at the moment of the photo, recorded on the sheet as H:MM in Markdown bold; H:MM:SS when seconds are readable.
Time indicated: **10:04**
